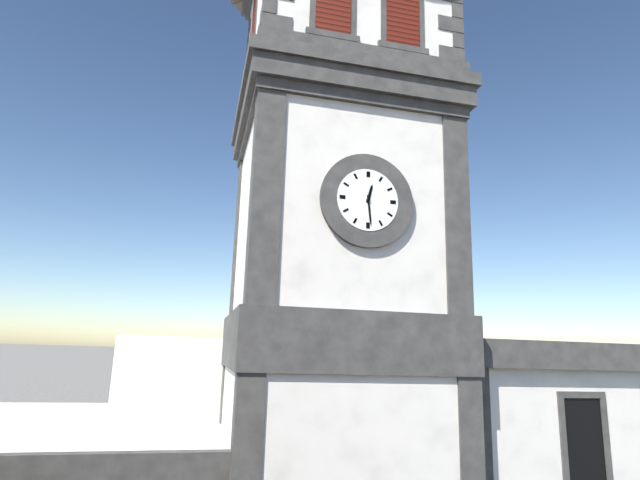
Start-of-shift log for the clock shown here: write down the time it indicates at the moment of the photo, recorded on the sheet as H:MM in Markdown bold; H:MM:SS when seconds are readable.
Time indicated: **12:29**
